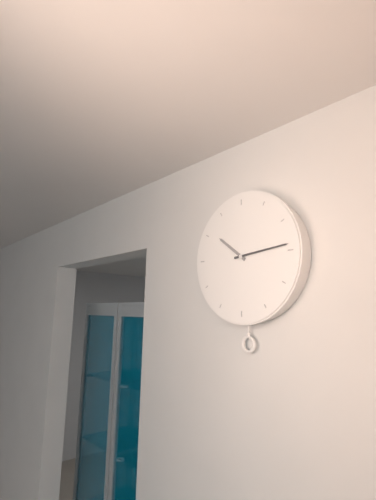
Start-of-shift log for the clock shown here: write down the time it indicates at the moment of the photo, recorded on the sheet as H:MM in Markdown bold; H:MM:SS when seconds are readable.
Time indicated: **10:14**
